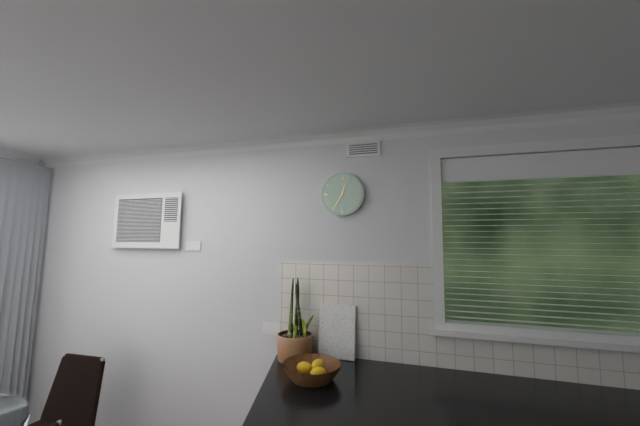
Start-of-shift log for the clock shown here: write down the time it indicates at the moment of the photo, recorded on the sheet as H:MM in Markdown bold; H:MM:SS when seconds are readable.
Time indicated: **12:35**
